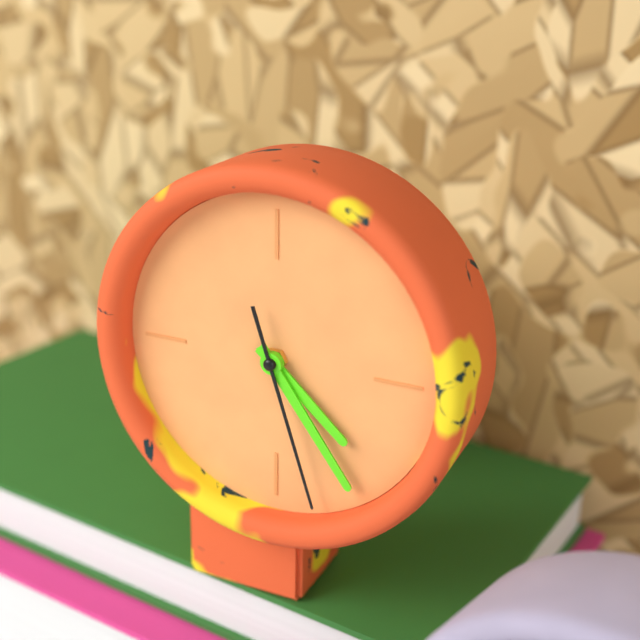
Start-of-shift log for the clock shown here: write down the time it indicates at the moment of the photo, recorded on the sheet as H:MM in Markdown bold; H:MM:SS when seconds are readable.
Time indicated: **4:24:27**
